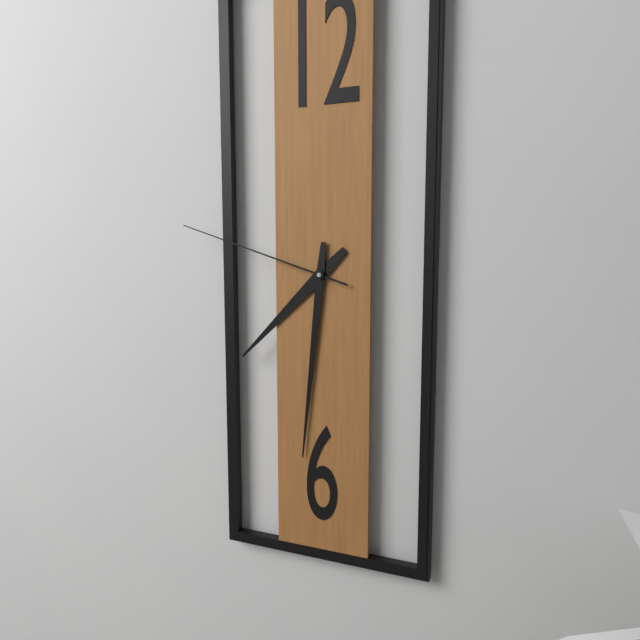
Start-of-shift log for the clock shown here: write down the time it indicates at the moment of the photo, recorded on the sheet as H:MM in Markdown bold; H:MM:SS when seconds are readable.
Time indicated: **7:31:48**
